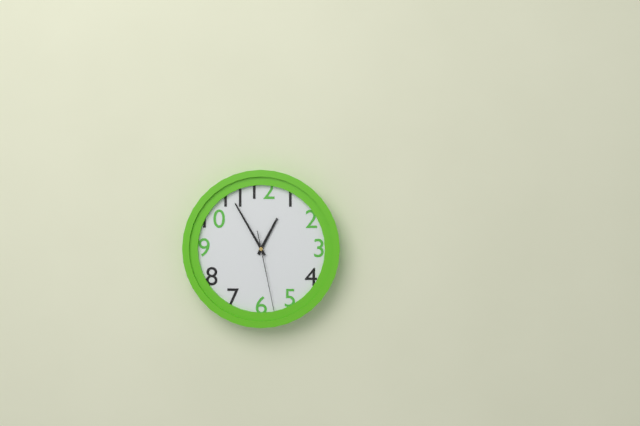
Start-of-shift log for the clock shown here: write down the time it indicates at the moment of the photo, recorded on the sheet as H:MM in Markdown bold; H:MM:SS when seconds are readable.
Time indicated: **12:55:28**
